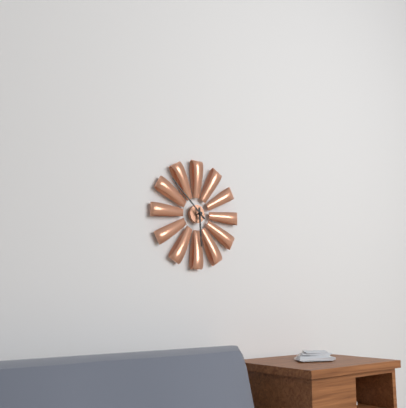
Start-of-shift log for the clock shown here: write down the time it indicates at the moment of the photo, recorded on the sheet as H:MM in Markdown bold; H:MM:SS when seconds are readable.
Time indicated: **5:52**
